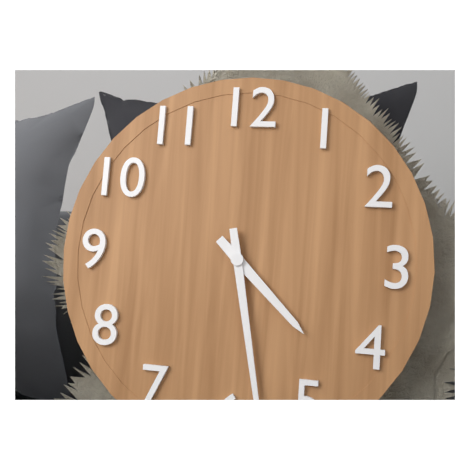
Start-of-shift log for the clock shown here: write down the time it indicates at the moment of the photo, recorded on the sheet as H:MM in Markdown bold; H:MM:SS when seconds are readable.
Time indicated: **4:28**
